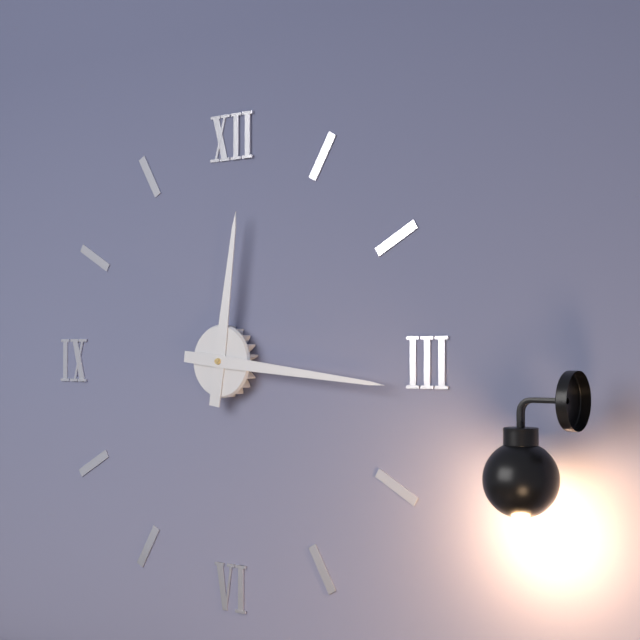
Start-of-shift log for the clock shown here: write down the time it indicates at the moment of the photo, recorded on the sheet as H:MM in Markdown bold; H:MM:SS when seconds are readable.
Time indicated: **12:16**
